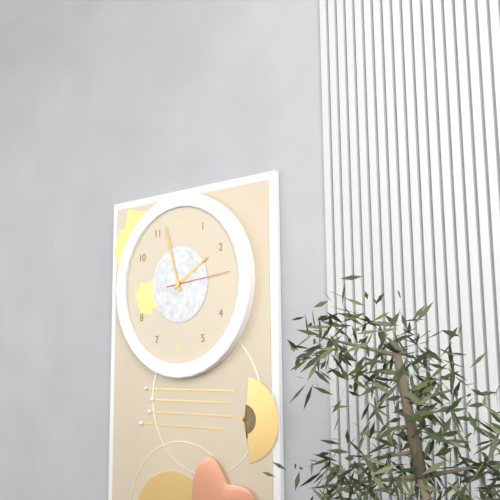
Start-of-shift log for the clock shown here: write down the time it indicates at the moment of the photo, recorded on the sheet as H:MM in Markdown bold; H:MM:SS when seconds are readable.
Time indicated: **1:57:14**
